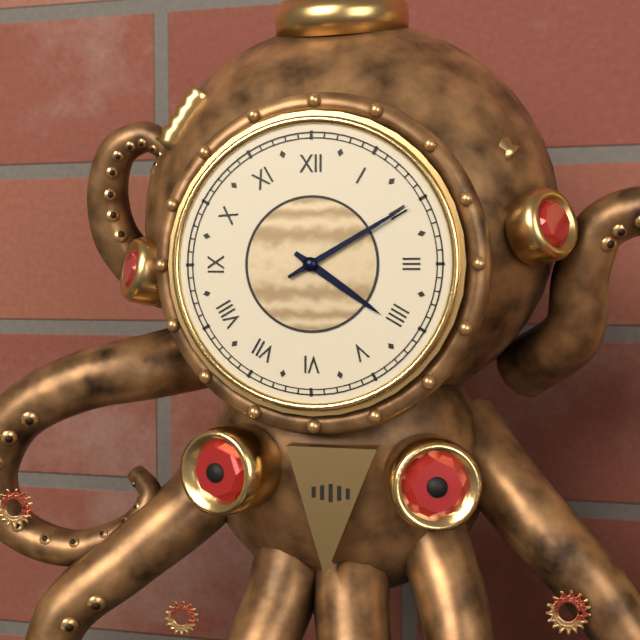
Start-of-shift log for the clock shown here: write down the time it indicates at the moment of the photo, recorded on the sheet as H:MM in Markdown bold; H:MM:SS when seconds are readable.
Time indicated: **4:10**
